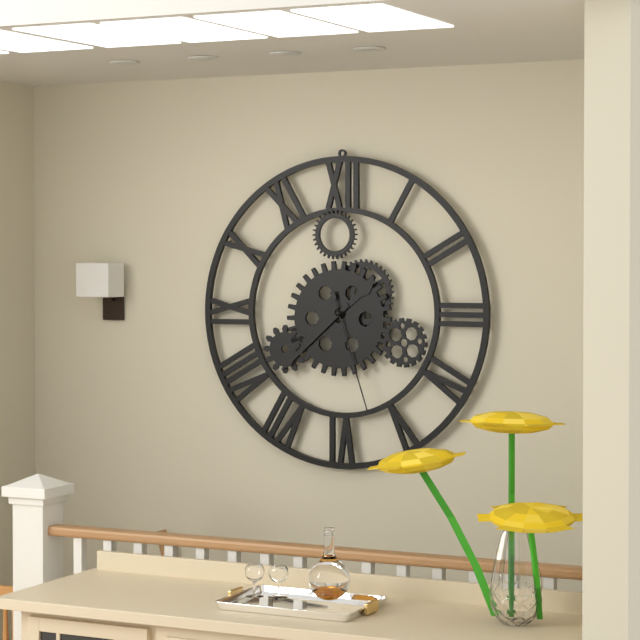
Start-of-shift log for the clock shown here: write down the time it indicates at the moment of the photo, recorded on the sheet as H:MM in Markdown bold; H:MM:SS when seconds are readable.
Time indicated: **1:38:27**
